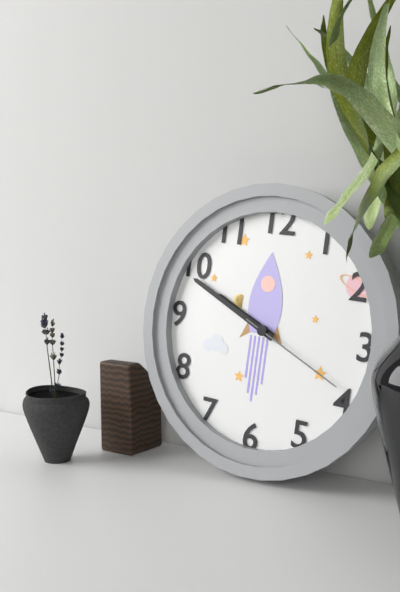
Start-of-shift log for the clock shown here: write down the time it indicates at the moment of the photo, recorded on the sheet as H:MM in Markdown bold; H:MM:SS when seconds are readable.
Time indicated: **9:49:19**
